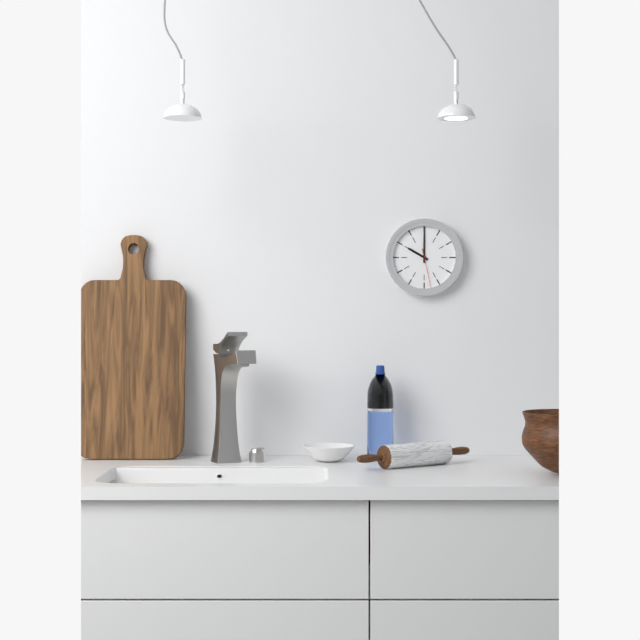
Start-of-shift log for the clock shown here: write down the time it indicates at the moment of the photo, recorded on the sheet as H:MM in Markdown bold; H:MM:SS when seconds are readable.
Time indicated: **10:00**
